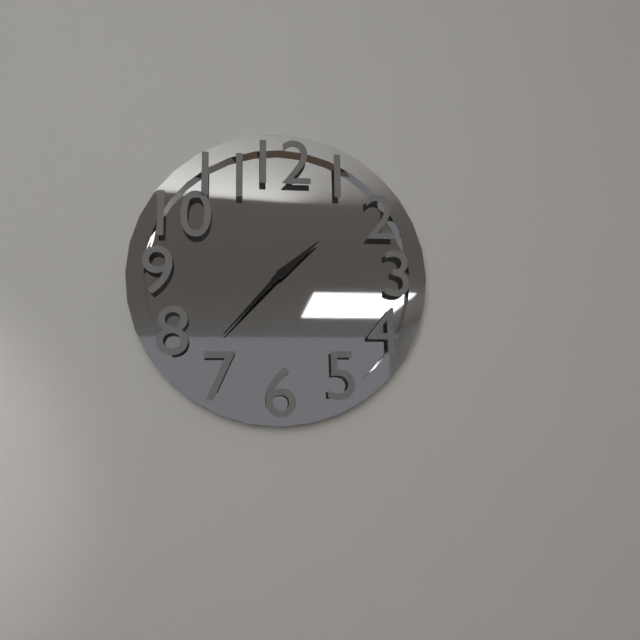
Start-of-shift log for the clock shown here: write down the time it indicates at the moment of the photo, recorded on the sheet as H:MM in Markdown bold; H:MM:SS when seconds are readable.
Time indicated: **1:37**
